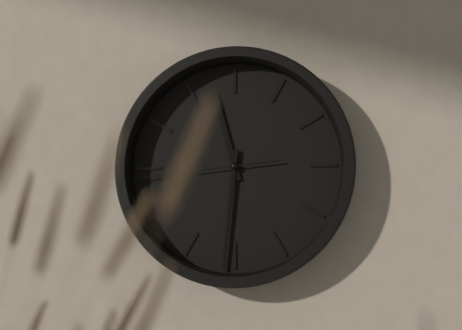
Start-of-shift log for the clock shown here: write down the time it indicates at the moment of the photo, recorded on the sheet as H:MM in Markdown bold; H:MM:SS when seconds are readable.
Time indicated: **11:31:44**
